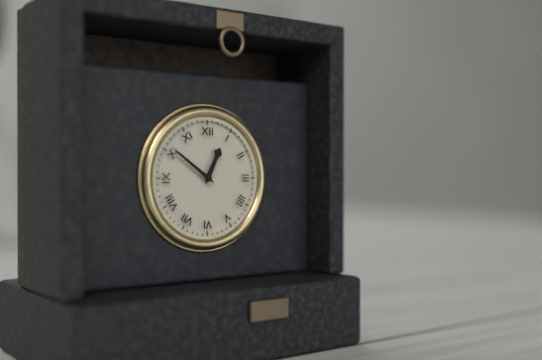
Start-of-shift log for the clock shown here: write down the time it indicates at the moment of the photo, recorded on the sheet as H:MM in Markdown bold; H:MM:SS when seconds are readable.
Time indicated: **12:51**
